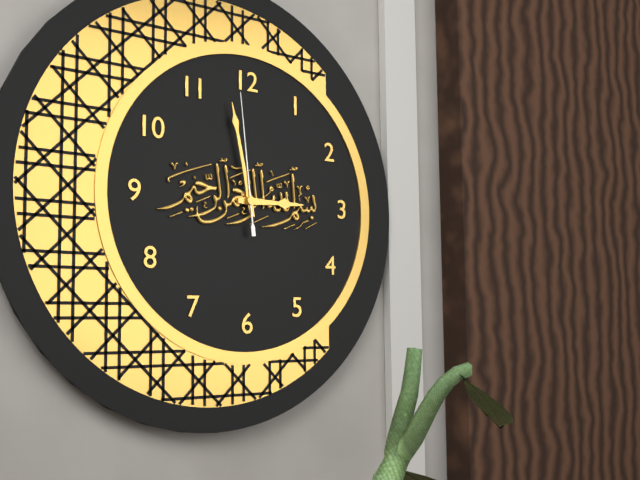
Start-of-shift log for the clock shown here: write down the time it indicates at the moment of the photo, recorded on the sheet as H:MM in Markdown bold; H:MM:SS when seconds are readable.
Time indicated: **2:58:59**
